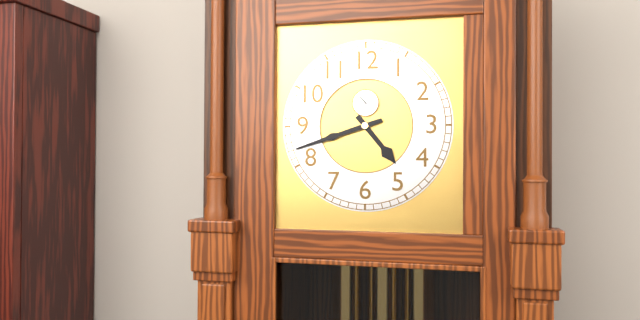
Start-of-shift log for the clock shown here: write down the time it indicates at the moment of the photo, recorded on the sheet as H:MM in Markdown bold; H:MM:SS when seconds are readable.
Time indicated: **4:42**
